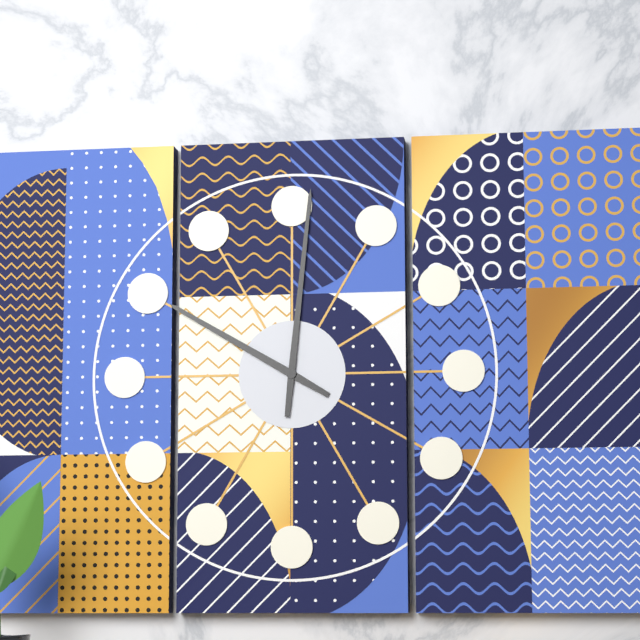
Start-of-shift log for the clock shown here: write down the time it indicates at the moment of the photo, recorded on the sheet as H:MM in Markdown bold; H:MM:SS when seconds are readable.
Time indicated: **10:01**
